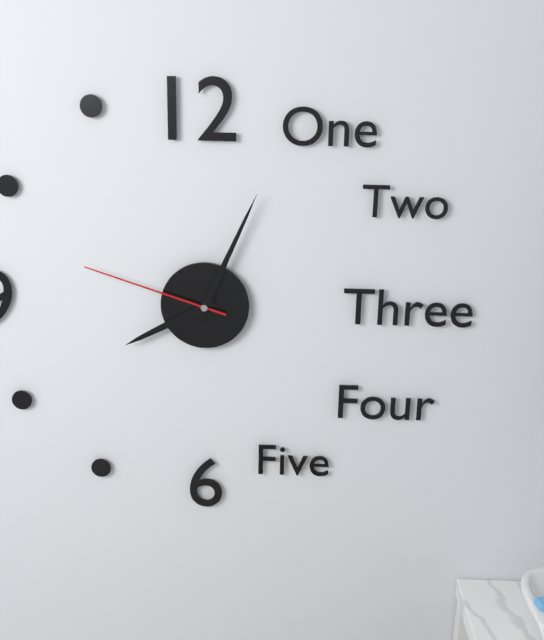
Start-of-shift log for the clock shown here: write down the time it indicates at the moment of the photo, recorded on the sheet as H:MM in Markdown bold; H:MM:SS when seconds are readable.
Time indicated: **8:04:48**
